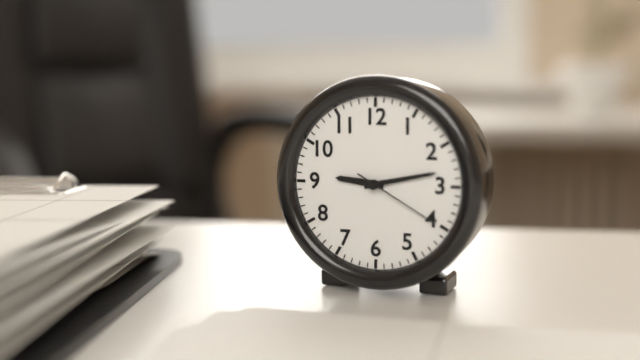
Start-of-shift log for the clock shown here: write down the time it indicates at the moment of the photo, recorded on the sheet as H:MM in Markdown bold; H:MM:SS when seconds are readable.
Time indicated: **9:13:20**
